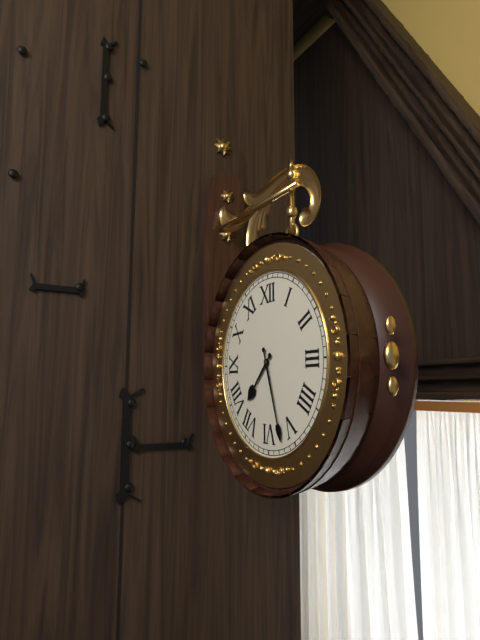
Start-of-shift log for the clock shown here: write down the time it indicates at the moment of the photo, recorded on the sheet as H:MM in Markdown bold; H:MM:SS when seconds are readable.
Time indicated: **7:27**
